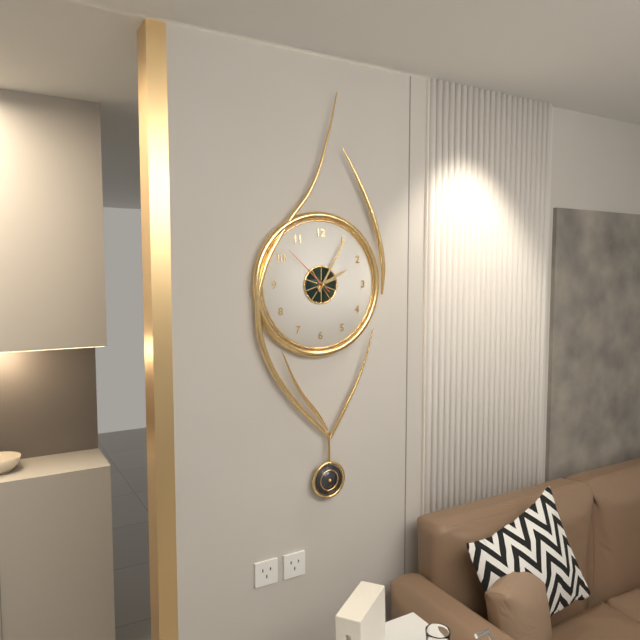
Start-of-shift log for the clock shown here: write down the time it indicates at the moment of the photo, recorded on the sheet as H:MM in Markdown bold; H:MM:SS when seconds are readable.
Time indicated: **2:05:52**
